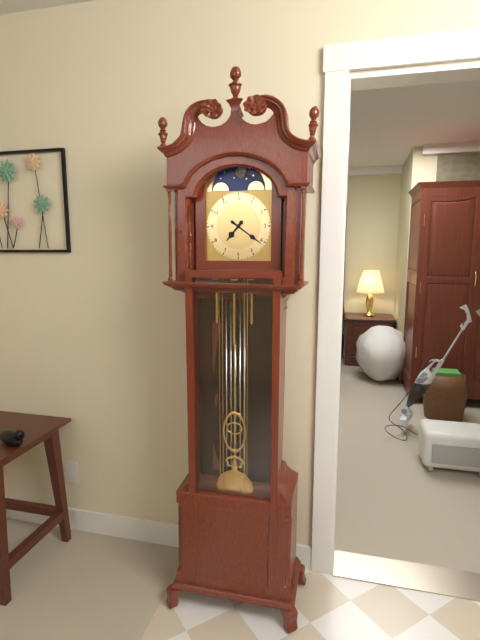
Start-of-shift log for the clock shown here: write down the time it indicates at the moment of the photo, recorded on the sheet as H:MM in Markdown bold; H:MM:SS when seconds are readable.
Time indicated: **7:21**
